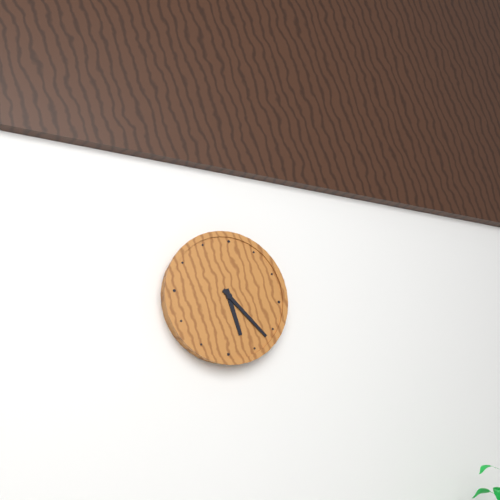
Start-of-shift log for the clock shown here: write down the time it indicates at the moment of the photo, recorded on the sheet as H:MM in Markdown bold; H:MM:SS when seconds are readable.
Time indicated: **5:22**
